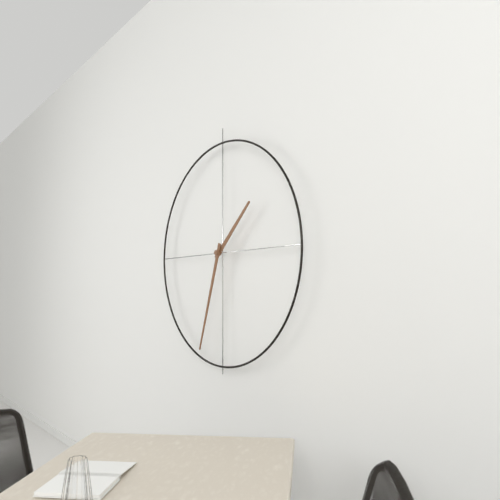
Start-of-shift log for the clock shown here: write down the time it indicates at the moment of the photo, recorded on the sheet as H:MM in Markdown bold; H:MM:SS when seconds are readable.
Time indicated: **1:33**
